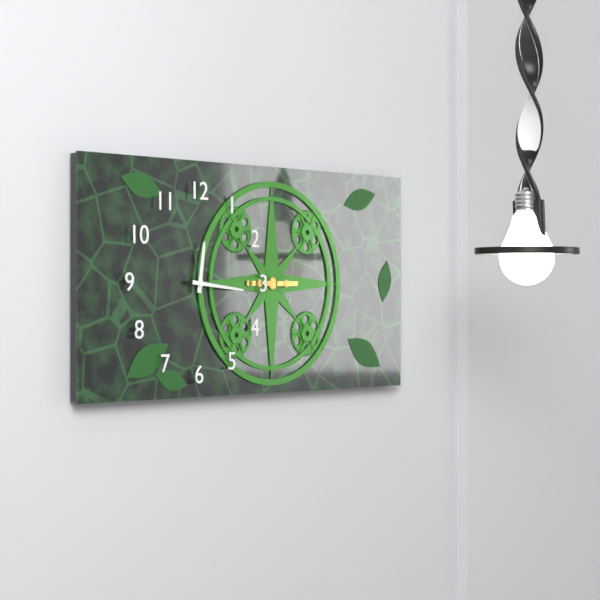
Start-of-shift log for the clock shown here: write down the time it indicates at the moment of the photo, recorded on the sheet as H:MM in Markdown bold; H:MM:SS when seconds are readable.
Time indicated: **12:16**
